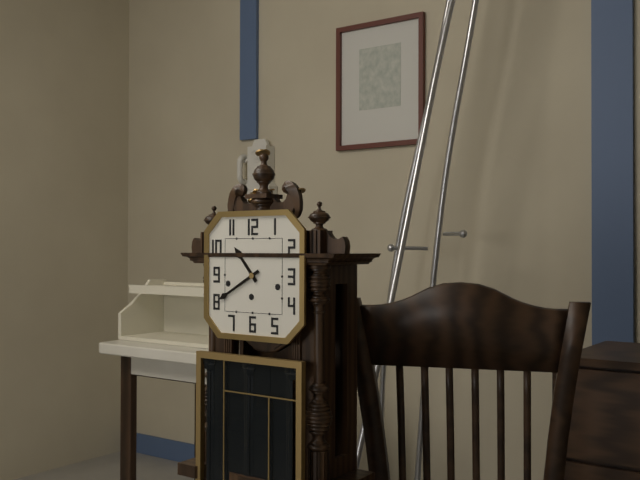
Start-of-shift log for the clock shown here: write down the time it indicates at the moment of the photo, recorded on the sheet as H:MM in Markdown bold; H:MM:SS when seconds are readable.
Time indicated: **10:40**
